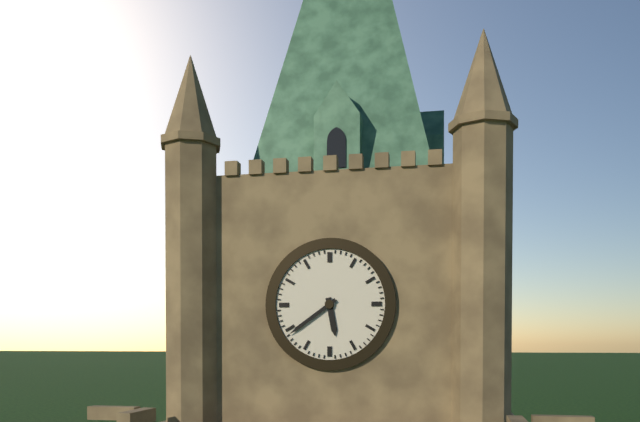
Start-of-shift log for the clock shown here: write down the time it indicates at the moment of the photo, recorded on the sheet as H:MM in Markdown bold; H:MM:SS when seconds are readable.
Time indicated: **5:39**
